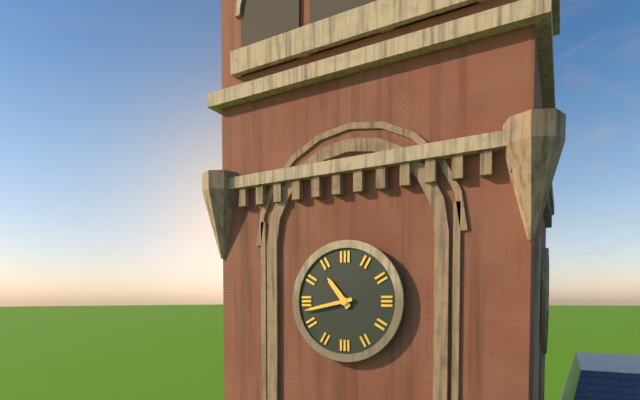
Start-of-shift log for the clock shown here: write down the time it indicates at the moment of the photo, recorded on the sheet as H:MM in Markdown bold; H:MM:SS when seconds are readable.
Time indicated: **10:43**
